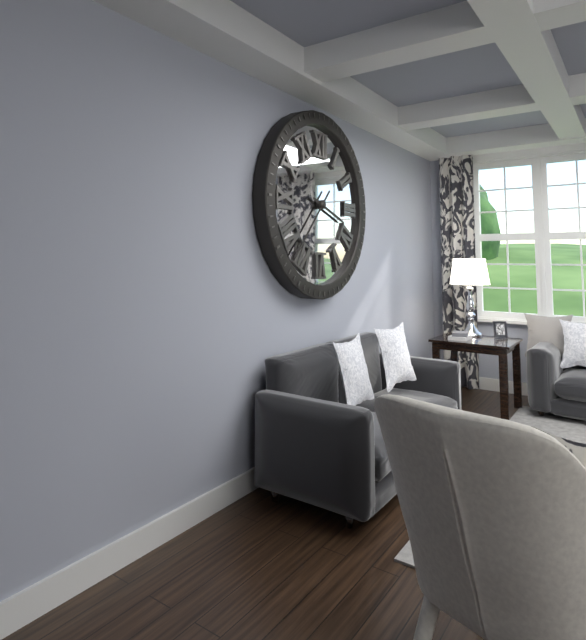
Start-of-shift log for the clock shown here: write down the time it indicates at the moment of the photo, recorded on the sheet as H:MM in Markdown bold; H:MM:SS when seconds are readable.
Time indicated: **3:37**
